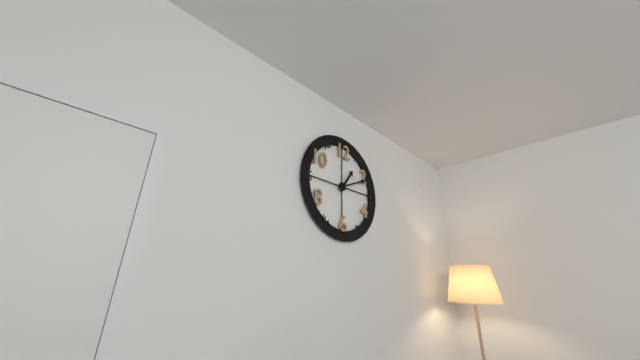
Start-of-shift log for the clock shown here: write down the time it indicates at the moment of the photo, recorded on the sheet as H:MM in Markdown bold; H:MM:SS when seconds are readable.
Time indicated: **1:11**
